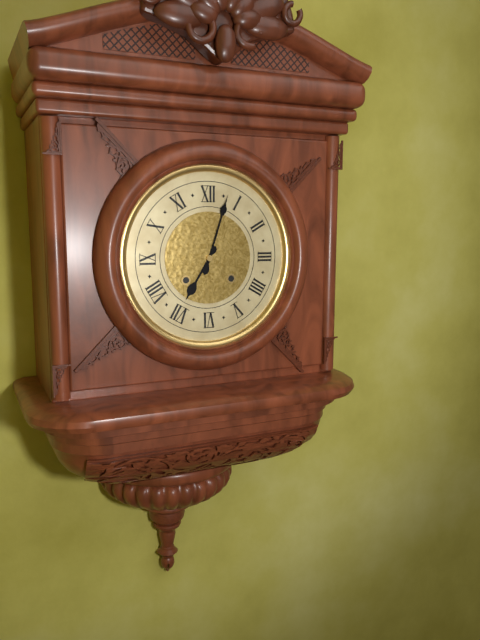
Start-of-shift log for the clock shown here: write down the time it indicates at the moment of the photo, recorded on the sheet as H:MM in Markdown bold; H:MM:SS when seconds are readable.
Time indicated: **7:03**
